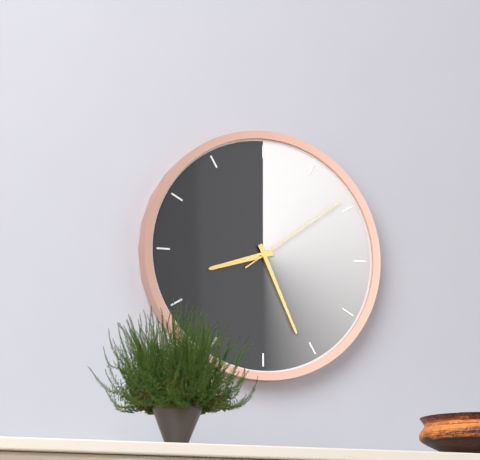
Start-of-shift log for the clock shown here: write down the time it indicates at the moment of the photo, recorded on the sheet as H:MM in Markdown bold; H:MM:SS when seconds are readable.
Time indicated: **8:26:09**
